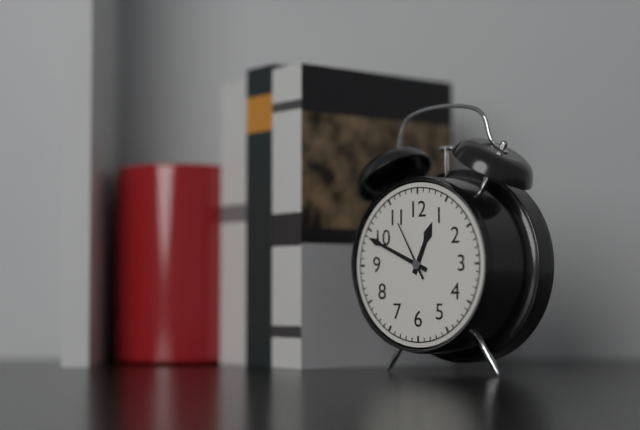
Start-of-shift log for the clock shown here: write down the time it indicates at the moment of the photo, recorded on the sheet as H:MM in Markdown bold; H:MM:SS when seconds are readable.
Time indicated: **12:49:55**
